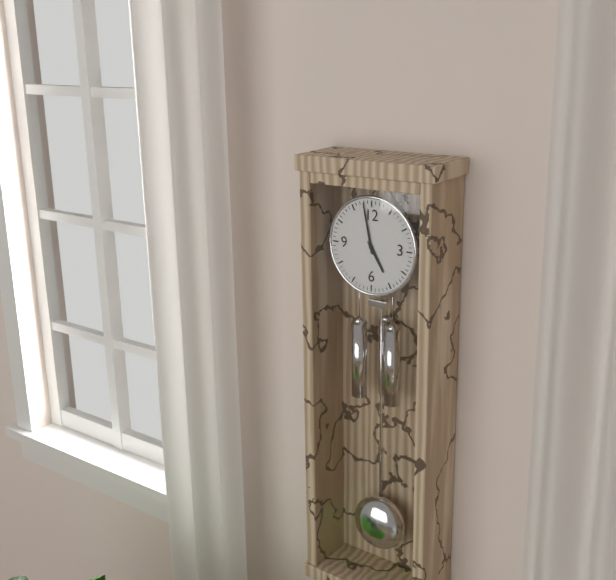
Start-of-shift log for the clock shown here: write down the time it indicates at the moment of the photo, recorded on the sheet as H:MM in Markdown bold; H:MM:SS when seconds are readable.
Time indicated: **4:58**
